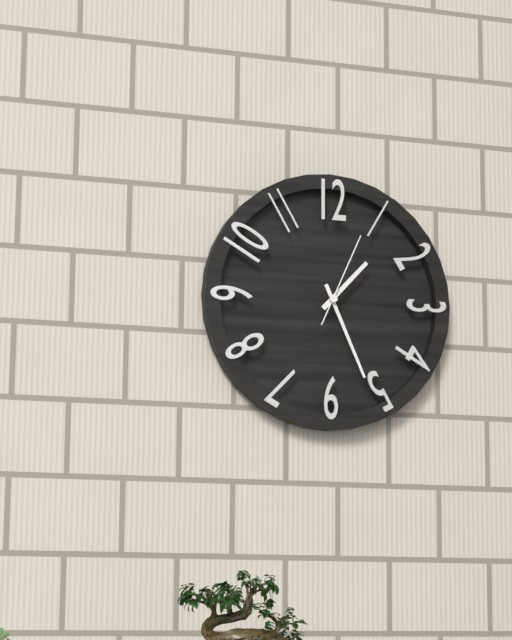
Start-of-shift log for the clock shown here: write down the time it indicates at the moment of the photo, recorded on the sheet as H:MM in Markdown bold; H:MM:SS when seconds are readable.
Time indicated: **1:26:04**
